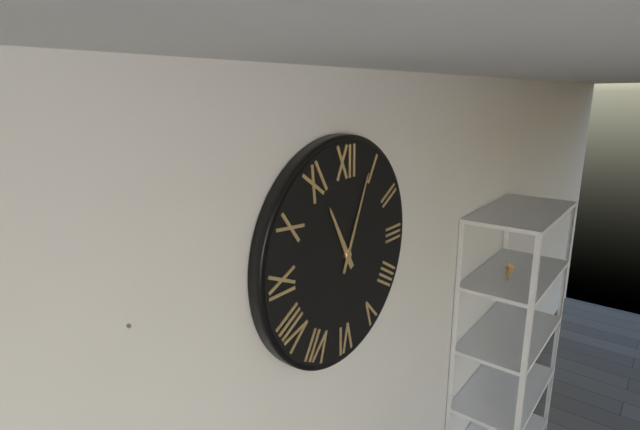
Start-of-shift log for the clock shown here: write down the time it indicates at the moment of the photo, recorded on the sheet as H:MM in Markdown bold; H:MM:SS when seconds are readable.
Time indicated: **11:04**
